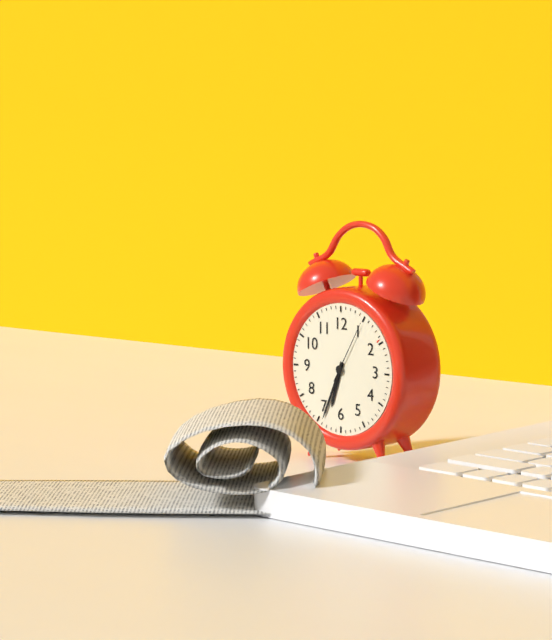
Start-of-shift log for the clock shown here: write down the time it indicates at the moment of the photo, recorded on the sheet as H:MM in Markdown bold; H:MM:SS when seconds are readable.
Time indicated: **6:34:05**
